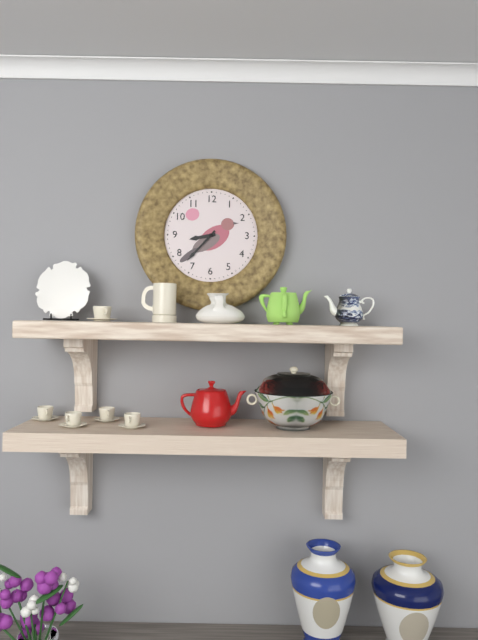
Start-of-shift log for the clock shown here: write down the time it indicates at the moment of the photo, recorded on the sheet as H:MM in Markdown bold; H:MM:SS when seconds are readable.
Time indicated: **8:37**
